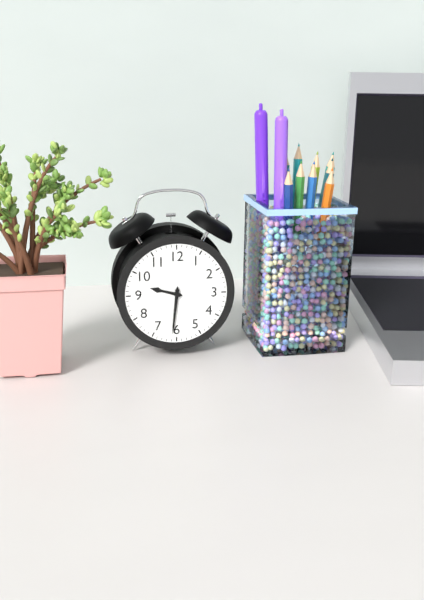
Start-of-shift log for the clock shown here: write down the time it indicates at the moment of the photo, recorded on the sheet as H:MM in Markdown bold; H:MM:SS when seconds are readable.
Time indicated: **9:31**
